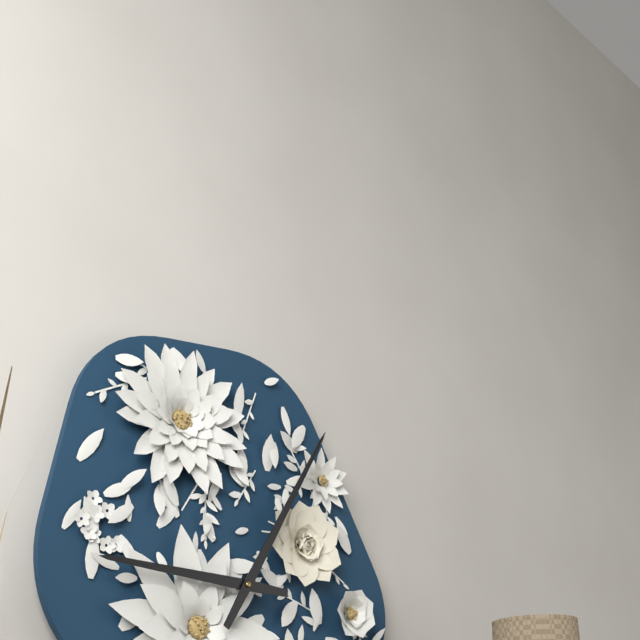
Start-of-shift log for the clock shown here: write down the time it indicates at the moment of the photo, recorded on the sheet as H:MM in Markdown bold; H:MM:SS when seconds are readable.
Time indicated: **9:05**
